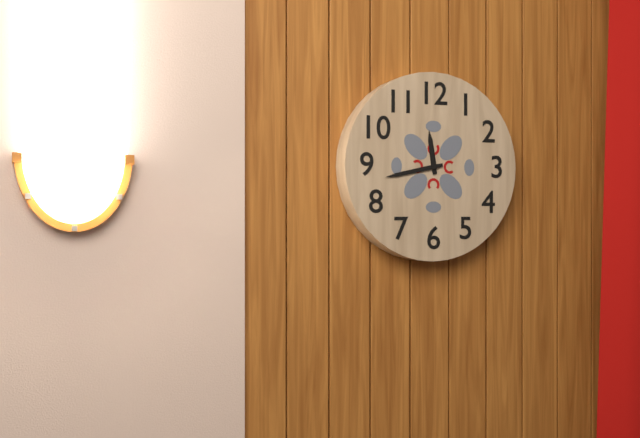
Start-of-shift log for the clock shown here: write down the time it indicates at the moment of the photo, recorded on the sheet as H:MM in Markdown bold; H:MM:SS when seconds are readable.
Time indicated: **11:43**
